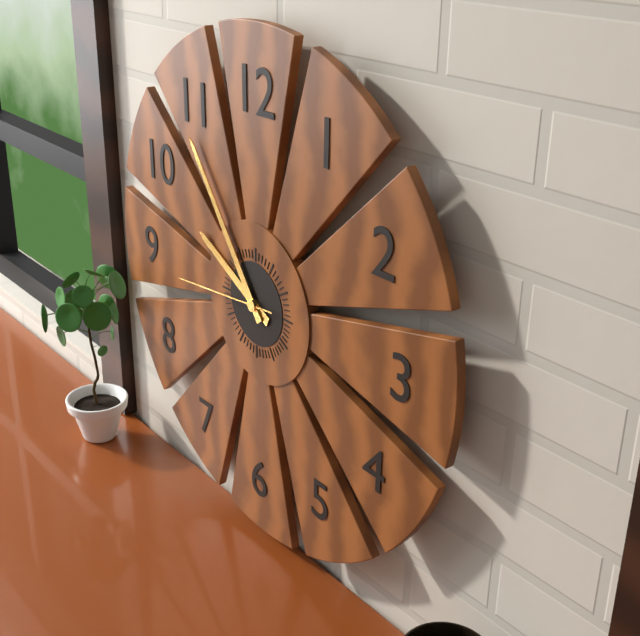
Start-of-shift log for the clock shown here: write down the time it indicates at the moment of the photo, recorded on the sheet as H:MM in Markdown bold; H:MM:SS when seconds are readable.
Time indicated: **9:54:44**
